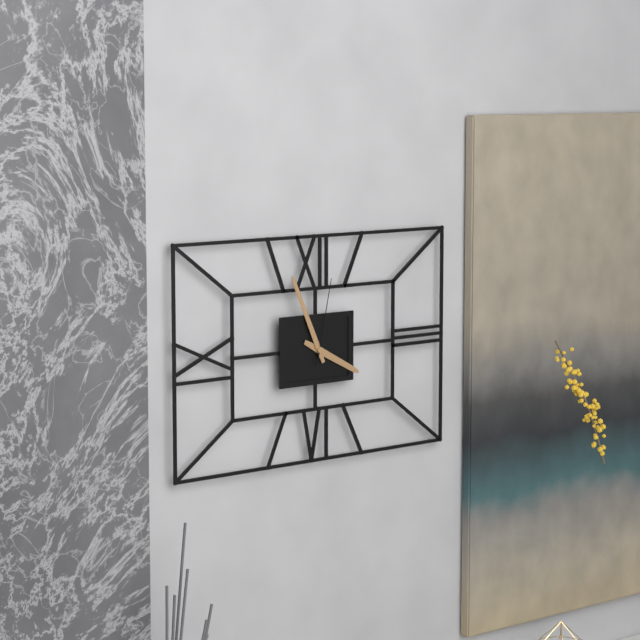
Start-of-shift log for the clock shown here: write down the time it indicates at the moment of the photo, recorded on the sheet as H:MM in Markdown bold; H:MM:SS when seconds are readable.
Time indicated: **3:56:02**
